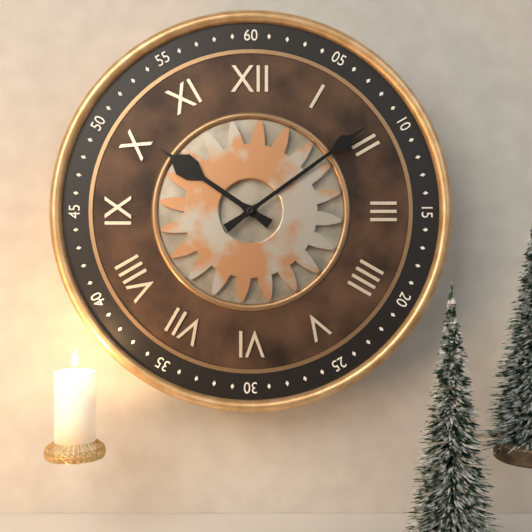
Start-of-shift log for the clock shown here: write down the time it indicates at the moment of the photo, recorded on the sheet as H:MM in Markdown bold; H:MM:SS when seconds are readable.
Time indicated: **10:09**
